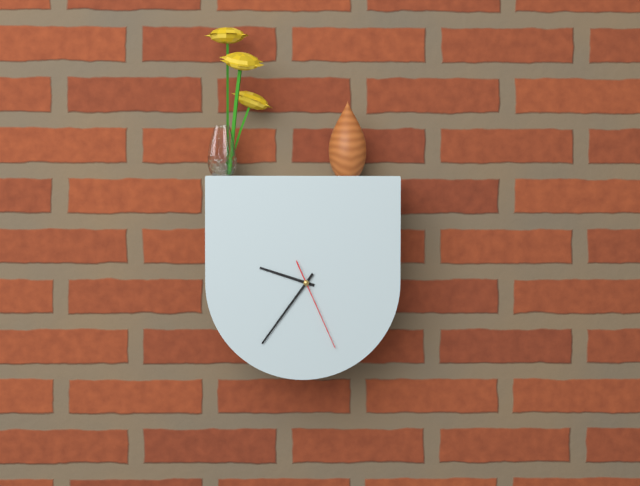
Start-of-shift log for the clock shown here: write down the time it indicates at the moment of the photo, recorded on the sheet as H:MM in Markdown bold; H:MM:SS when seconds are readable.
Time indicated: **9:36:26**
